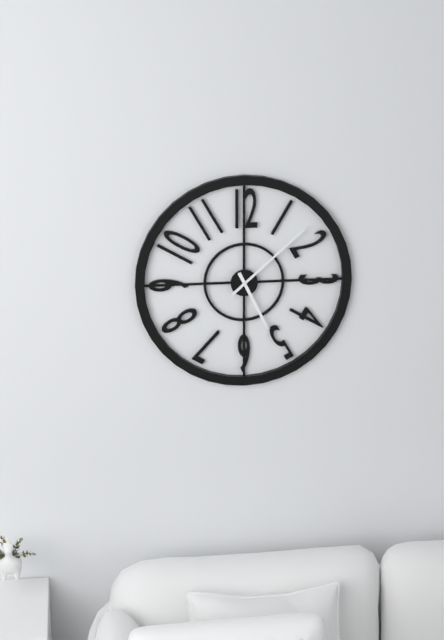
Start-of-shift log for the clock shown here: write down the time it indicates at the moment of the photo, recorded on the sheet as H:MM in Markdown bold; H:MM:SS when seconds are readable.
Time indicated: **5:08**
